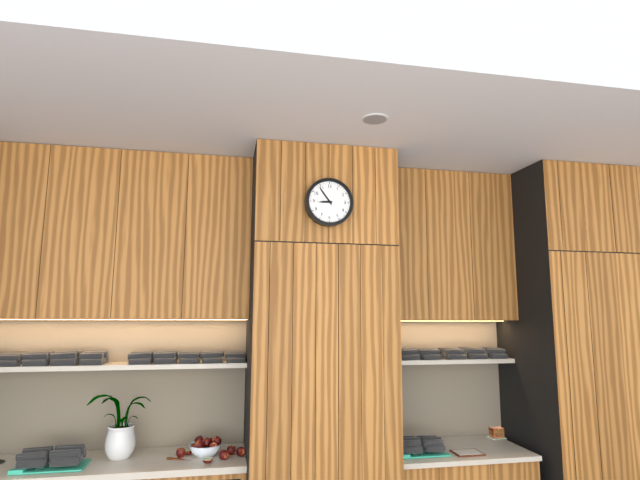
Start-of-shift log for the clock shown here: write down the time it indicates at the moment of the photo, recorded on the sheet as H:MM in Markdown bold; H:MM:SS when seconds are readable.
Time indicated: **8:54**
